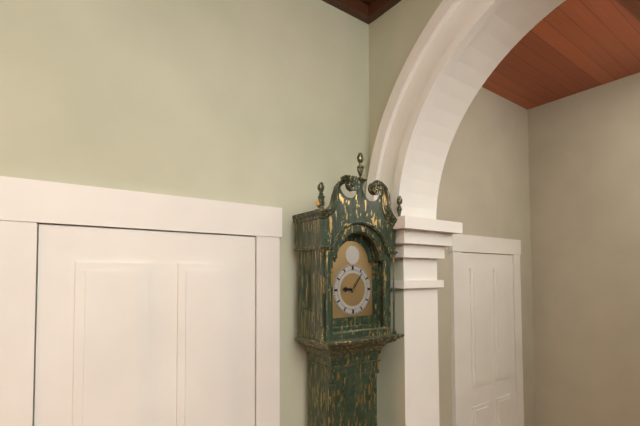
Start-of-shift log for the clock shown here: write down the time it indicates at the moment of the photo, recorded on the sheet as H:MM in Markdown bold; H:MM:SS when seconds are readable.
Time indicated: **9:06**
